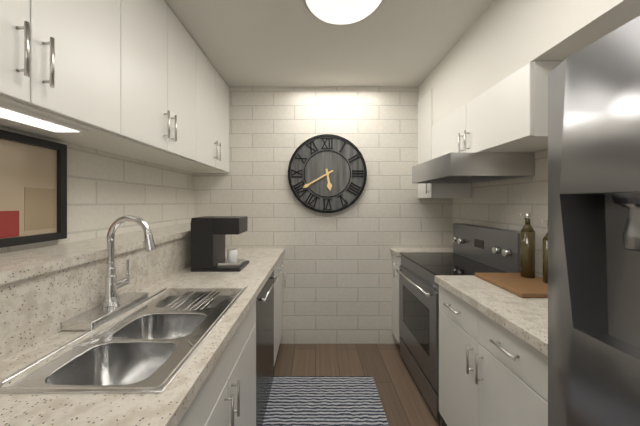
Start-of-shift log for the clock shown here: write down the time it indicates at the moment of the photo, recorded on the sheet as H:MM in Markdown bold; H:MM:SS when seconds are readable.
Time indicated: **5:40**
